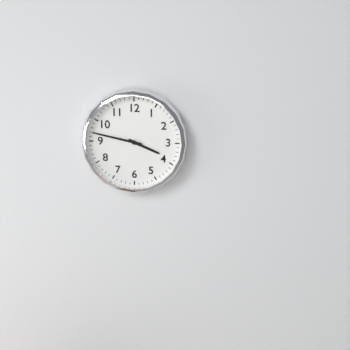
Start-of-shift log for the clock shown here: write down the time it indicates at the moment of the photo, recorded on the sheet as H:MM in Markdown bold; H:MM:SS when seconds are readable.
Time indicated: **3:47**
